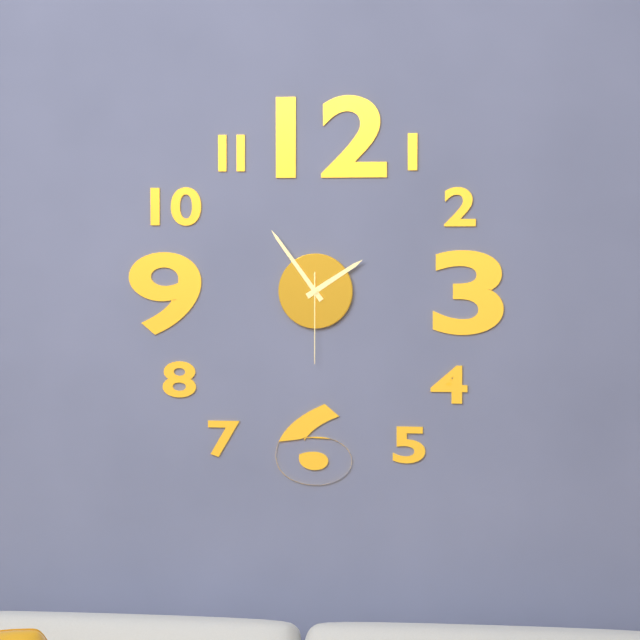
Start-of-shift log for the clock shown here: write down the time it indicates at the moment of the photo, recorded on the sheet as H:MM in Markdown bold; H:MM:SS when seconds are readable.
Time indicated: **1:54:30**
